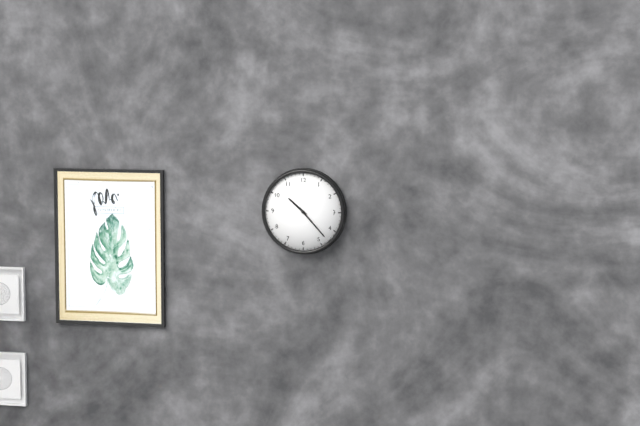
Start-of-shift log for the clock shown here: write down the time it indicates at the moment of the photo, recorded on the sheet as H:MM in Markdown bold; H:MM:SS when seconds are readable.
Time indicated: **10:23**
